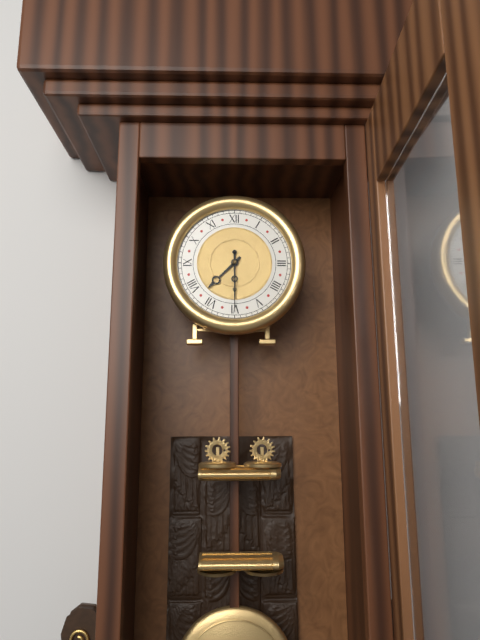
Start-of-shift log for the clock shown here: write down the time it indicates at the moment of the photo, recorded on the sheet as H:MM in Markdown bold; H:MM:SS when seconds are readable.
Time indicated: **7:30**
